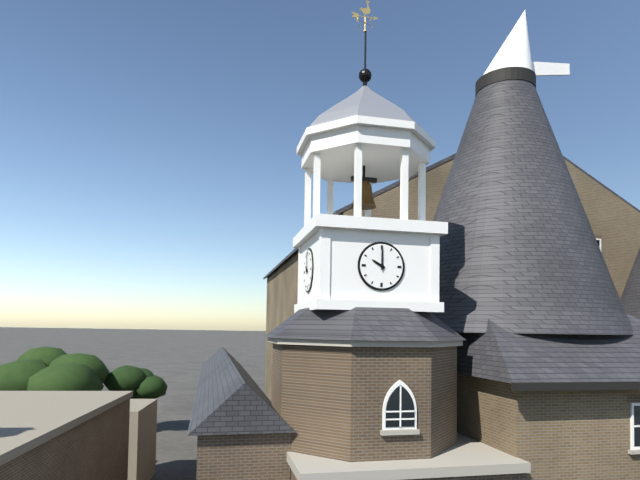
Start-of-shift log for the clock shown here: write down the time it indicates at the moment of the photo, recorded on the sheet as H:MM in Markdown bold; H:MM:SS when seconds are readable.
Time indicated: **10:00**
